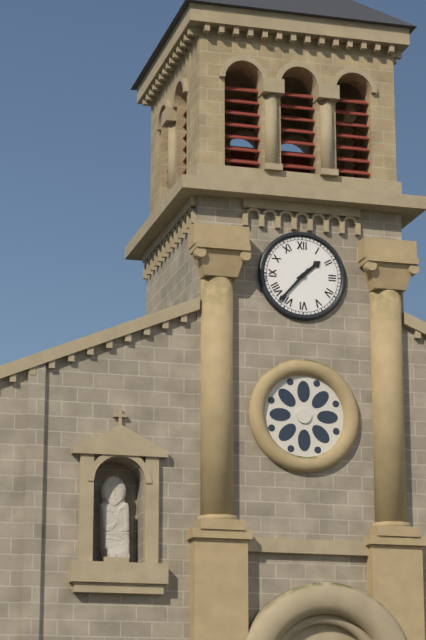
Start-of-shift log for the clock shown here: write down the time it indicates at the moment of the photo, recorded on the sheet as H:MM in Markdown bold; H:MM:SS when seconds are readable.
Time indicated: **1:37**
